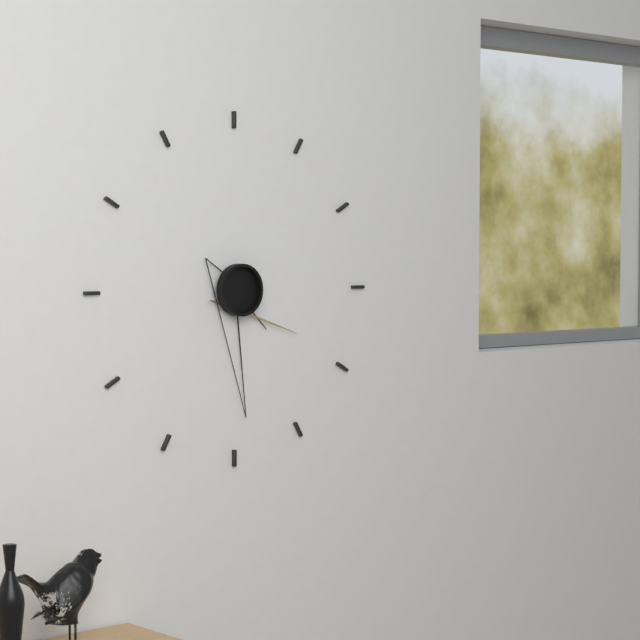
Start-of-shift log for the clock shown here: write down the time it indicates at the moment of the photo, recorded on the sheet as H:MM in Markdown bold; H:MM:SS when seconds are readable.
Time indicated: **4:29:20**
